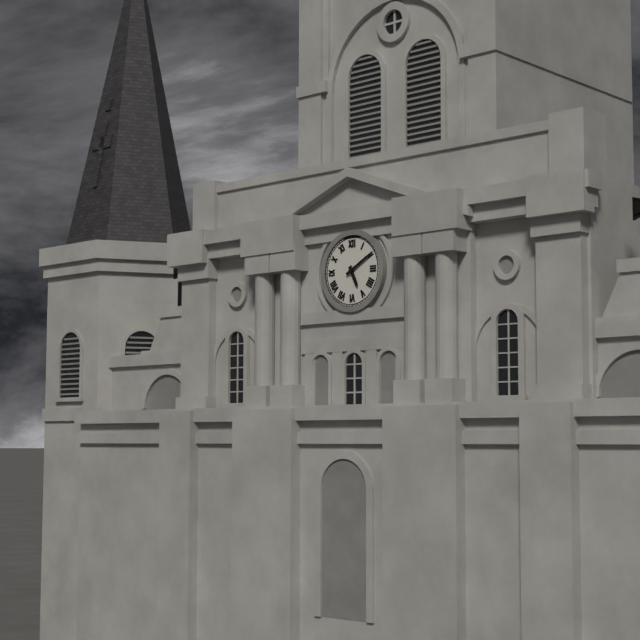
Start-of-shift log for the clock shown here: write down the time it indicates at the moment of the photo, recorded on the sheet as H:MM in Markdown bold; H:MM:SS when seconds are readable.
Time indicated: **5:10**
